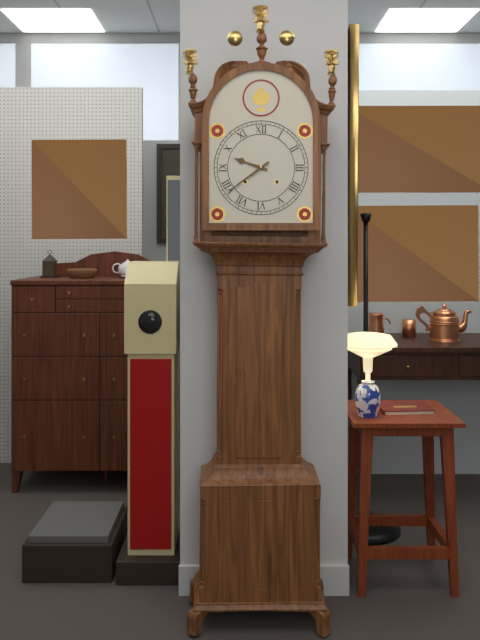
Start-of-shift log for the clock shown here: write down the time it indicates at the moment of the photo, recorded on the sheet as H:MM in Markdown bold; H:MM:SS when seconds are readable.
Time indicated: **9:39**
